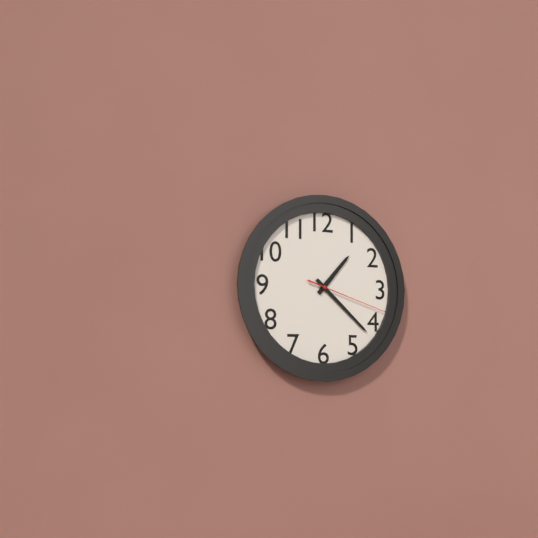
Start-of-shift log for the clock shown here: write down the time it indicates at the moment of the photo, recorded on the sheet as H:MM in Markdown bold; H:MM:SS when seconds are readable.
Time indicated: **1:22:18**
